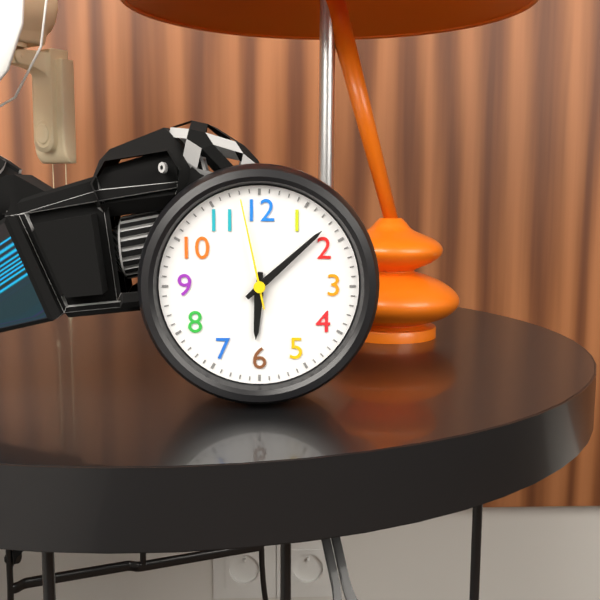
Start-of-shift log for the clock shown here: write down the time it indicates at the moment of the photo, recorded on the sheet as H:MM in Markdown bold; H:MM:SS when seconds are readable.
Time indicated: **6:08:58**
